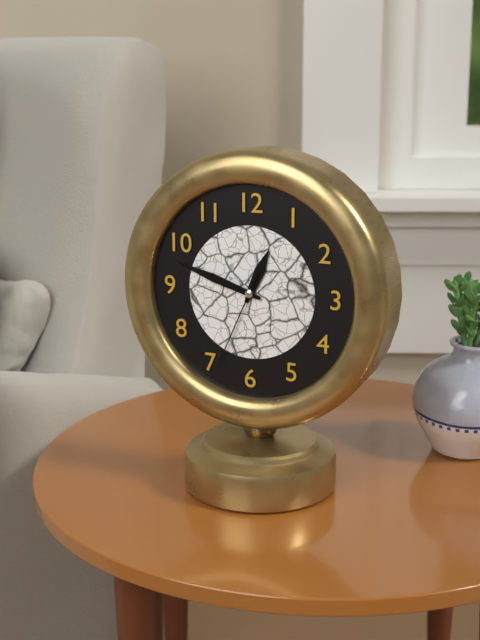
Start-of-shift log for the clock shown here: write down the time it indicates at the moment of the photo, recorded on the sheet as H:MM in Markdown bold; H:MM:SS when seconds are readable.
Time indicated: **12:48:34**
